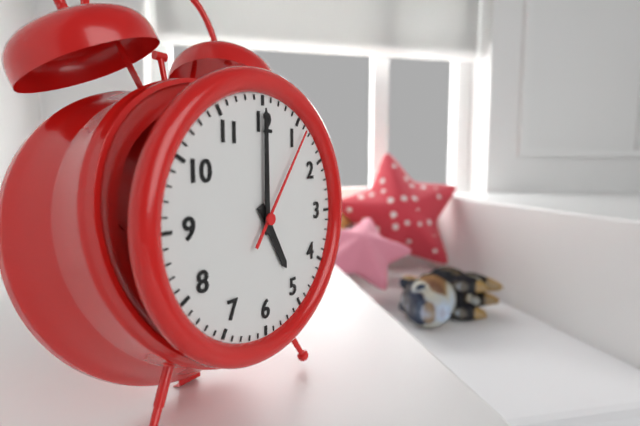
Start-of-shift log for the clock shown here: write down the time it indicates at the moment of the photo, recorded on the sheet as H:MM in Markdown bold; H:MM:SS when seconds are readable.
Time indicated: **5:00:06**
